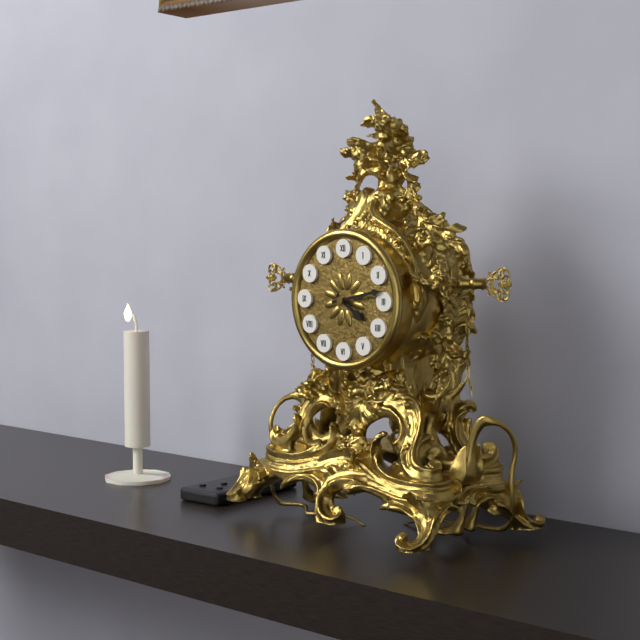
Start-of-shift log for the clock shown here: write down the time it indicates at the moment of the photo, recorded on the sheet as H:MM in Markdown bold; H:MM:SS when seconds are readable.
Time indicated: **4:13**
